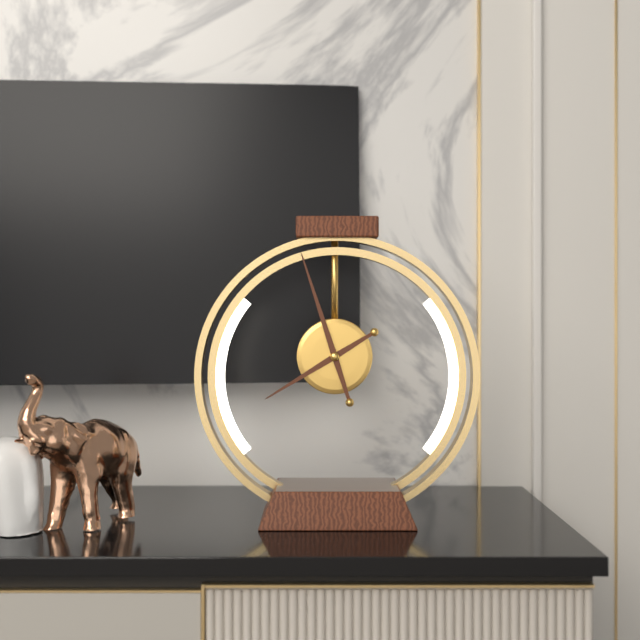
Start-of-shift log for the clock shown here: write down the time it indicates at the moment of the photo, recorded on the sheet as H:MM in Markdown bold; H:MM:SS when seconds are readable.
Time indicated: **7:57**
